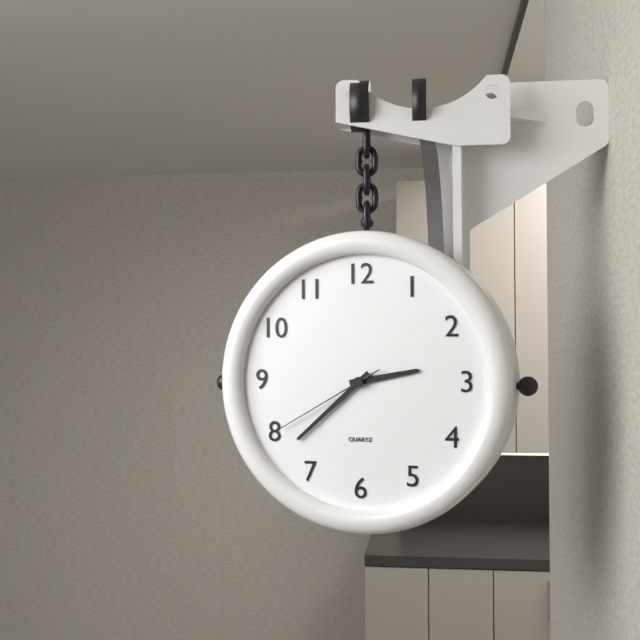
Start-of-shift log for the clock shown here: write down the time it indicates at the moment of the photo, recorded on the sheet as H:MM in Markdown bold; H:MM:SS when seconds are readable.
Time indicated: **2:38:40**
